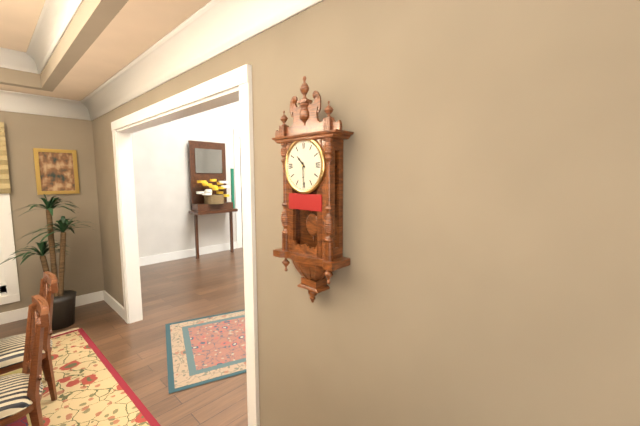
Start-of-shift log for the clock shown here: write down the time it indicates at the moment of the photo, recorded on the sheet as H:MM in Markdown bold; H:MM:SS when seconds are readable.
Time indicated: **10:30**
